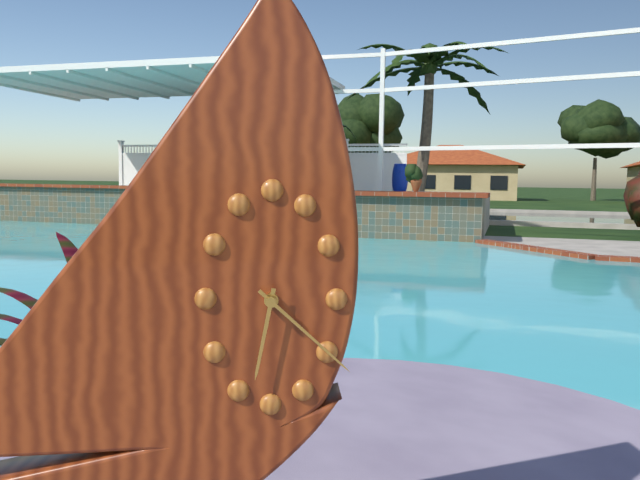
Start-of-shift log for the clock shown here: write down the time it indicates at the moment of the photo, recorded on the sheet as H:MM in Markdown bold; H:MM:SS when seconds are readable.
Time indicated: **6:22**
